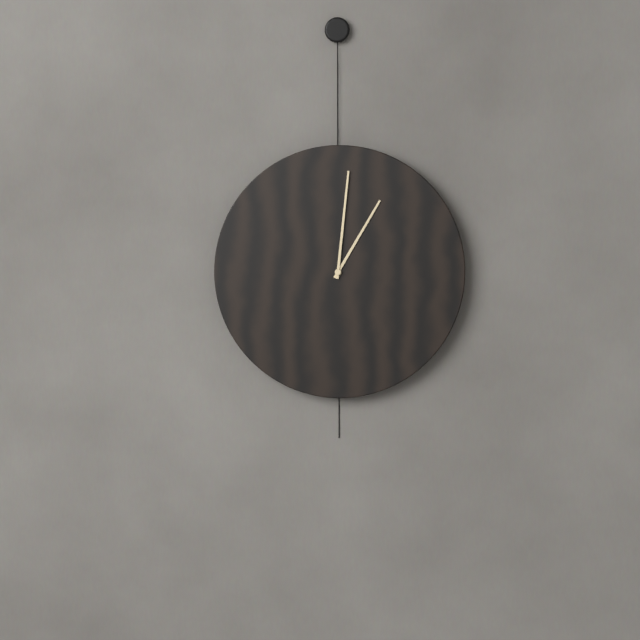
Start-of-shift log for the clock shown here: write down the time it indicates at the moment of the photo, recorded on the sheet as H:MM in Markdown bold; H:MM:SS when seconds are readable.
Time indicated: **1:01**
